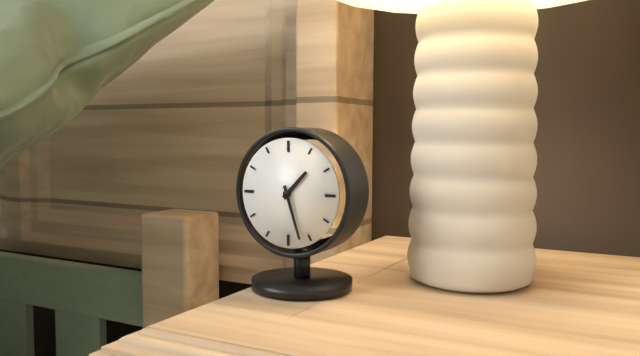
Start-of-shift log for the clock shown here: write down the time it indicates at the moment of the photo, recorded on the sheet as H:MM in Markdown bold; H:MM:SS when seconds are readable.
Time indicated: **1:27**
